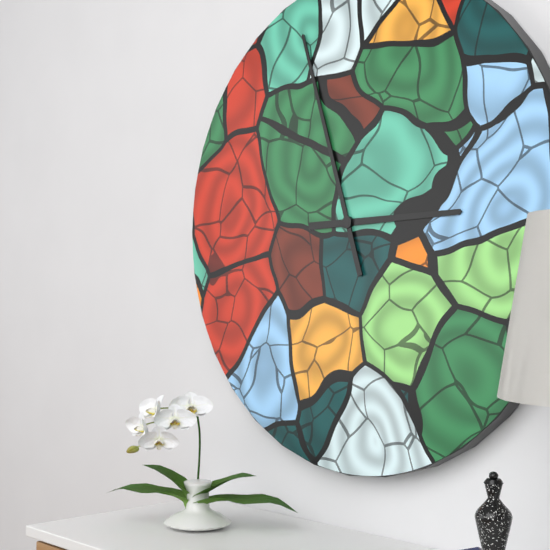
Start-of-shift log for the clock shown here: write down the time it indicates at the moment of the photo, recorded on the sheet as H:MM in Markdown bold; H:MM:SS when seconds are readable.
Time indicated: **2:57**
